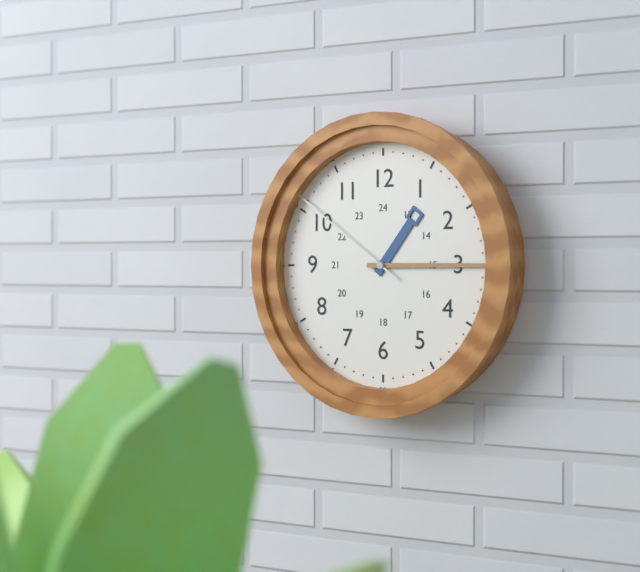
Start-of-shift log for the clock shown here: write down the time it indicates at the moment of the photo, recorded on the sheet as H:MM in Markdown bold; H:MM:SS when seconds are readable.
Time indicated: **1:15:51**
